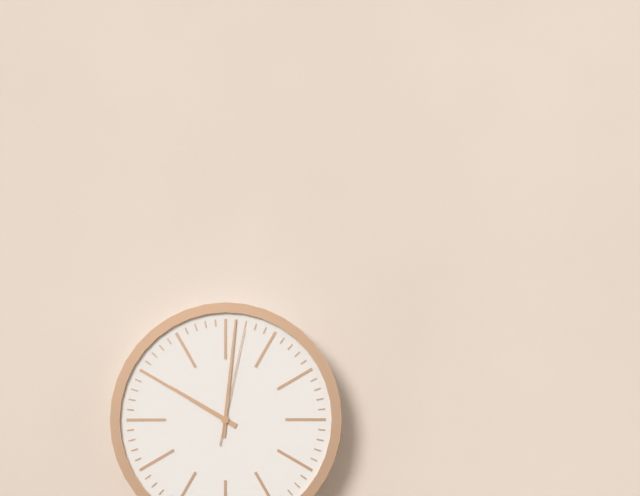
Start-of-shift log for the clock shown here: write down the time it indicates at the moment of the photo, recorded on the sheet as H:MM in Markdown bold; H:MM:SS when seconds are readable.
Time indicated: **10:01:02**
